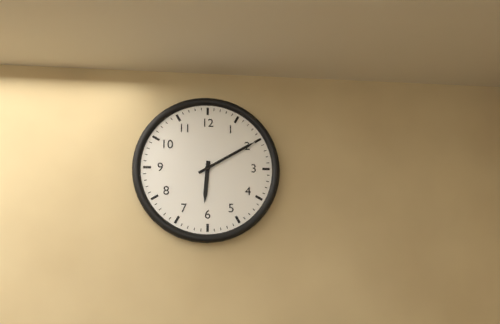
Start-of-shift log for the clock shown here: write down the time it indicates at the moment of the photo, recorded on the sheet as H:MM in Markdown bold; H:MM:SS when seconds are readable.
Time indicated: **6:10**
